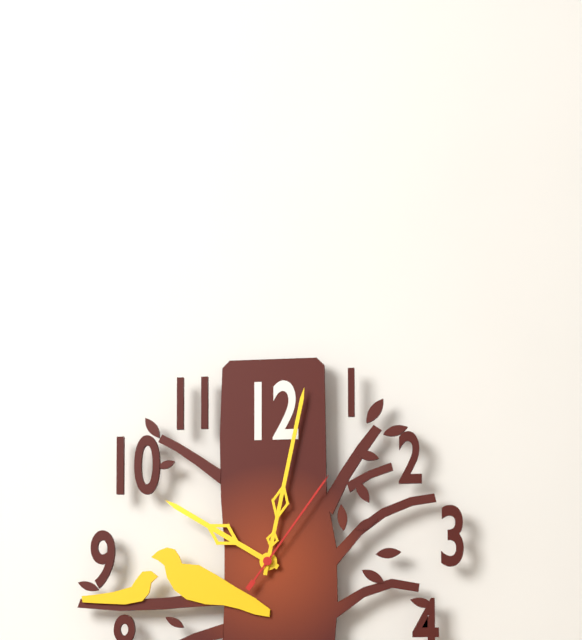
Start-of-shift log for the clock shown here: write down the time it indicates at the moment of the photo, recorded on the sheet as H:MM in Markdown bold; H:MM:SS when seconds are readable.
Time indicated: **10:02:06**
